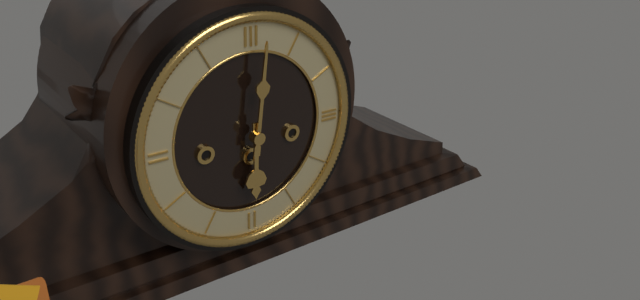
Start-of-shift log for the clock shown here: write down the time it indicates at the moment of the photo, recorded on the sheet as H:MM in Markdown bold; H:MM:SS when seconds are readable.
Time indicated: **6:01**
